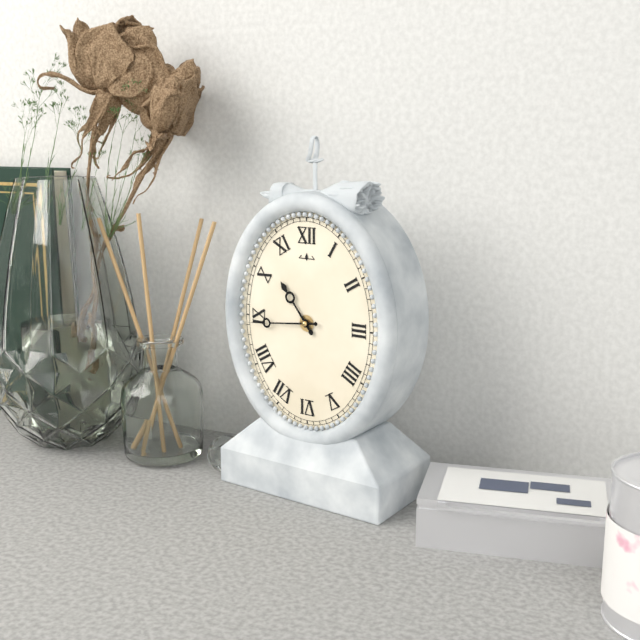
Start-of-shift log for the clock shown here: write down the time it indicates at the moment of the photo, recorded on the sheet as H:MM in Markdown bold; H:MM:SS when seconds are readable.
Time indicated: **10:44**
